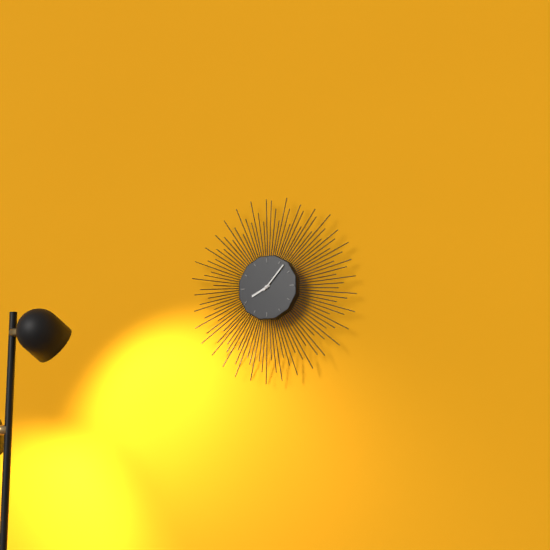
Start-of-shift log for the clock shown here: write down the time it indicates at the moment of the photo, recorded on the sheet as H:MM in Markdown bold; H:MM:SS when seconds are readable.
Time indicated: **8:07**
